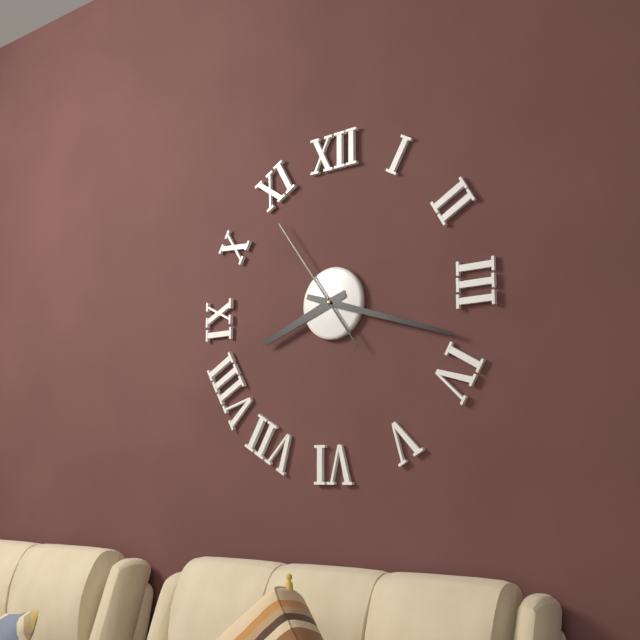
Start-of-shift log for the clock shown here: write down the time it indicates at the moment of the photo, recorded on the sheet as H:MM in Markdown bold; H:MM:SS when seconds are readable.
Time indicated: **8:18:54**
